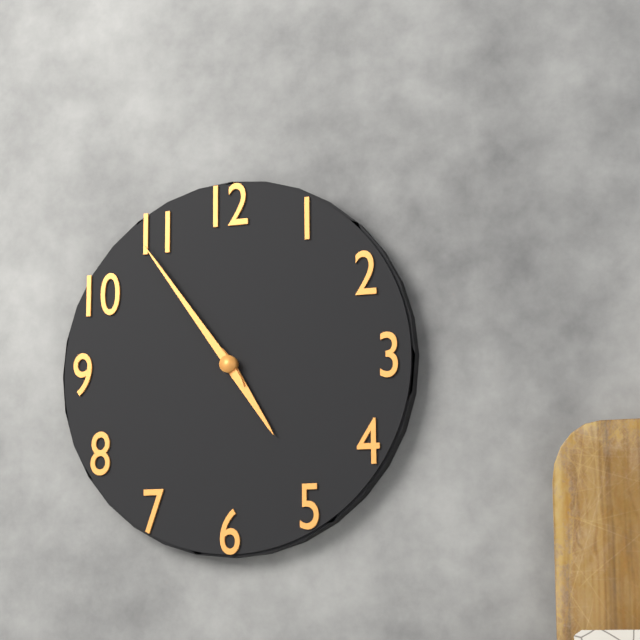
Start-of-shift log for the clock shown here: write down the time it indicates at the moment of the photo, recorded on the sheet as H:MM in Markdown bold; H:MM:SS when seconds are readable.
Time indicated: **4:54**
